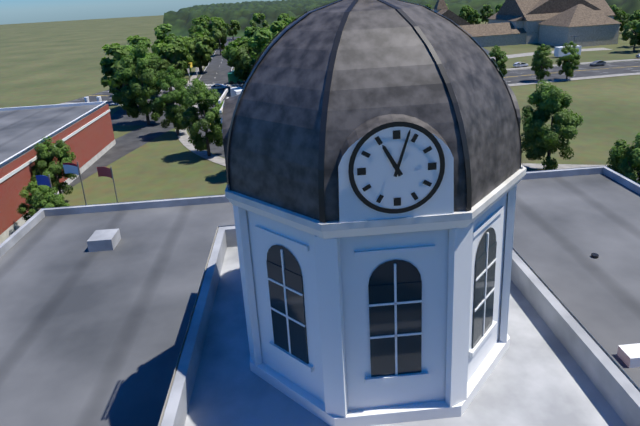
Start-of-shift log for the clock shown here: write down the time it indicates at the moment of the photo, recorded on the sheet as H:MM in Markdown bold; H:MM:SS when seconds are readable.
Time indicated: **11:03**
